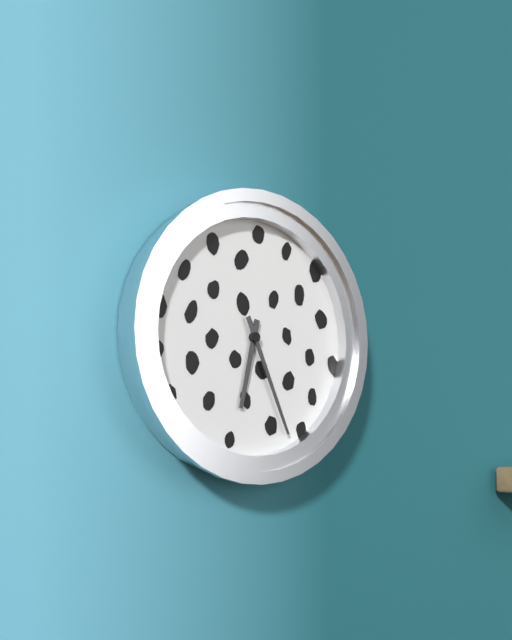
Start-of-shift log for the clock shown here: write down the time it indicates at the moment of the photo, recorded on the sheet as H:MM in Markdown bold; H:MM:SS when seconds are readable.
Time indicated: **6:26**
